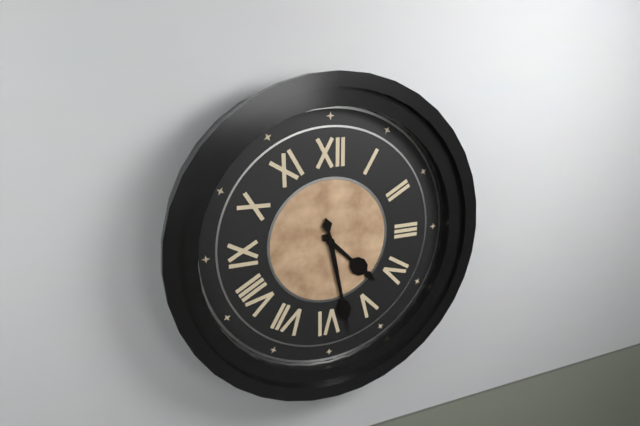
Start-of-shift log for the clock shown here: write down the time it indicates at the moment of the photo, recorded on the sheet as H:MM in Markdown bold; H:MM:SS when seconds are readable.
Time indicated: **4:28**
